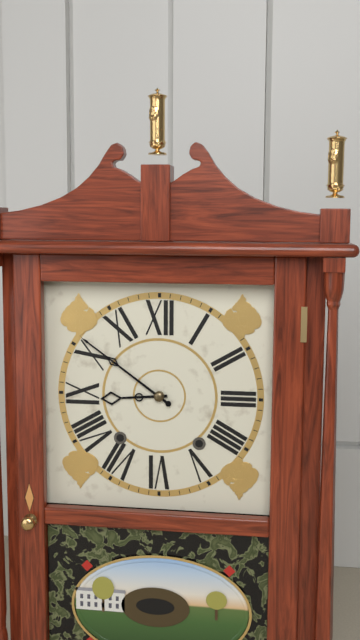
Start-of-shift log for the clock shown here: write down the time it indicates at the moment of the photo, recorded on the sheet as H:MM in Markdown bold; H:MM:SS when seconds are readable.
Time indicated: **8:51**
